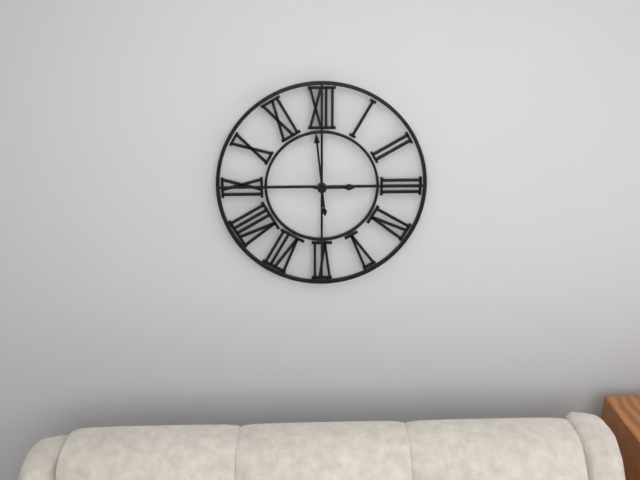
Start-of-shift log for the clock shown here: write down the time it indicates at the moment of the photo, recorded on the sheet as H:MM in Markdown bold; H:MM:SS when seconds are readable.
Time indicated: **2:59**
